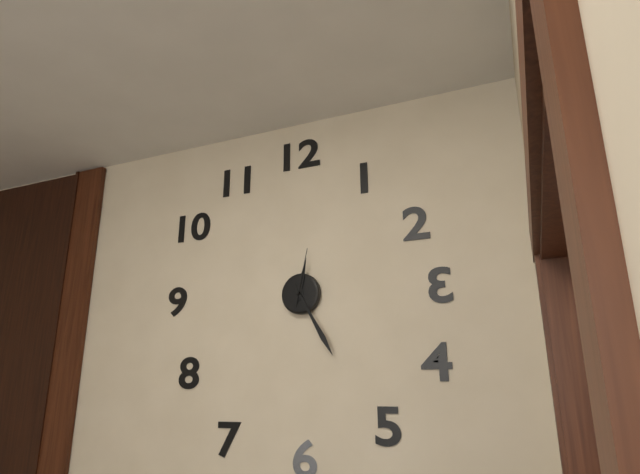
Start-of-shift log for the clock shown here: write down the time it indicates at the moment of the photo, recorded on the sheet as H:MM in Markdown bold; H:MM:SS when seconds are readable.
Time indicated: **12:25:02**
